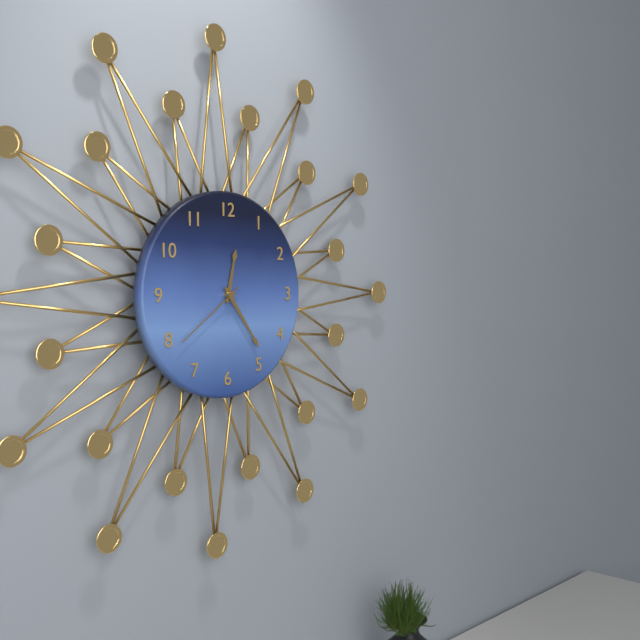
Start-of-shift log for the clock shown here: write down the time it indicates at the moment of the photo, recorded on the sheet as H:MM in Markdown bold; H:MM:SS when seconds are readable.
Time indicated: **12:24:39**
